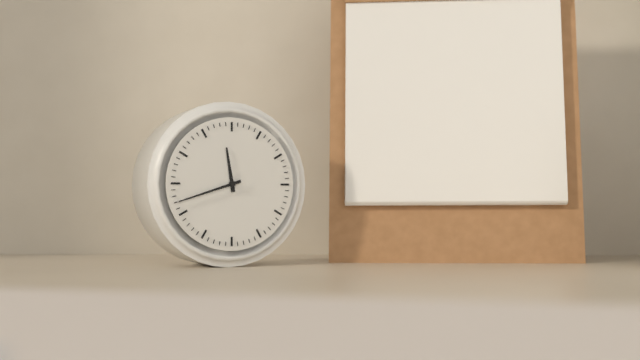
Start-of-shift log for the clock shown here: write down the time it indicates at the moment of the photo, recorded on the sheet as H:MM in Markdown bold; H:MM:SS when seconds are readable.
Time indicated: **11:42**
